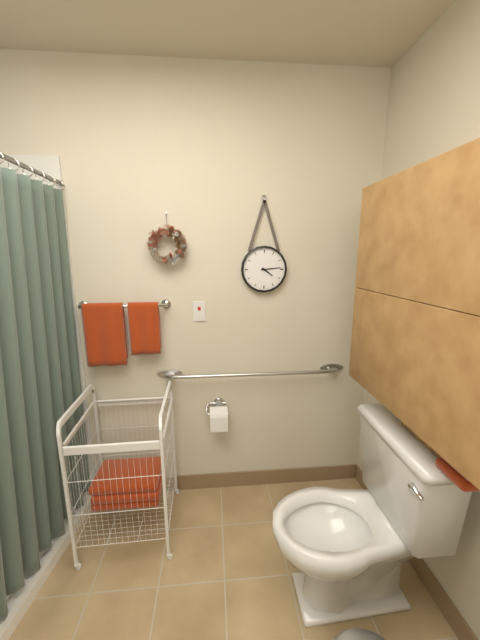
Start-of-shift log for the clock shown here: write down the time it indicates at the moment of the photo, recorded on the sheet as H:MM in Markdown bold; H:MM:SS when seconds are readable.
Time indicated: **4:14**
